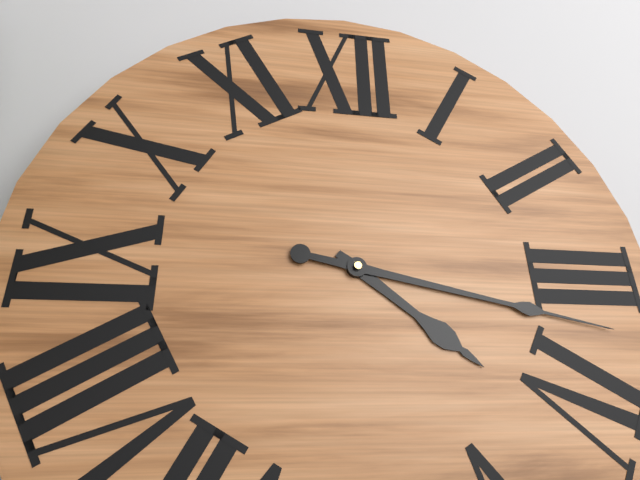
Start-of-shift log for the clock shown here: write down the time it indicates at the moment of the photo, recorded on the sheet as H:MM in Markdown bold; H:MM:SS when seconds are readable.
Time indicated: **4:17**
